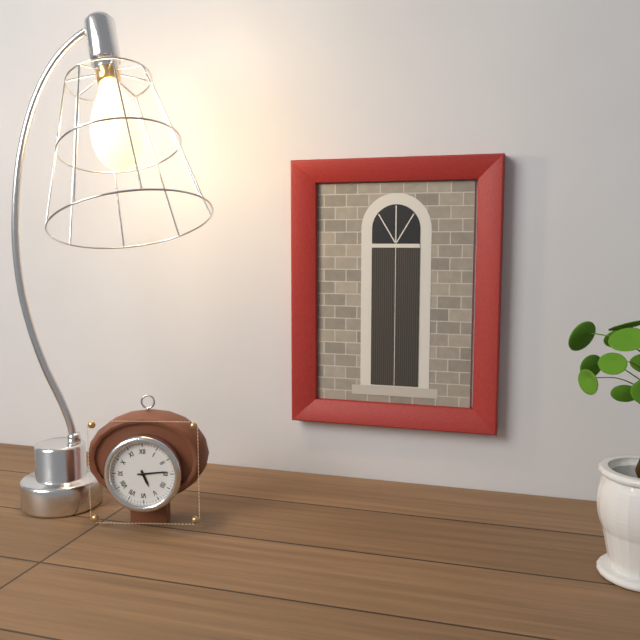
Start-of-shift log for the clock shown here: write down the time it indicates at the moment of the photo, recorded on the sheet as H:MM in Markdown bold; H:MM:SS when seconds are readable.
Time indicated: **5:14**
